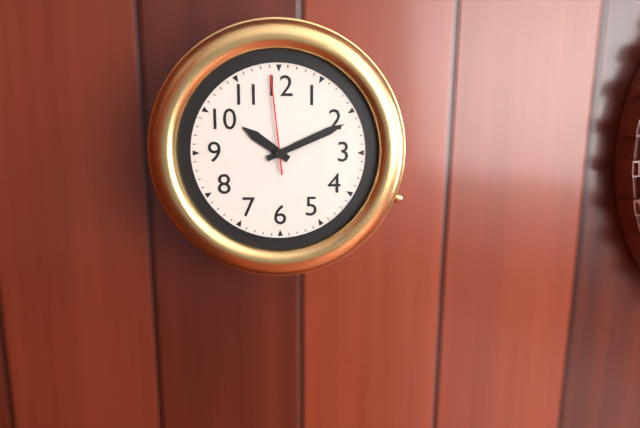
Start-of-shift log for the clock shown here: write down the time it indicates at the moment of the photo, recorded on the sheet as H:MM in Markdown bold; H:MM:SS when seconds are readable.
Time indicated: **10:11:59**
